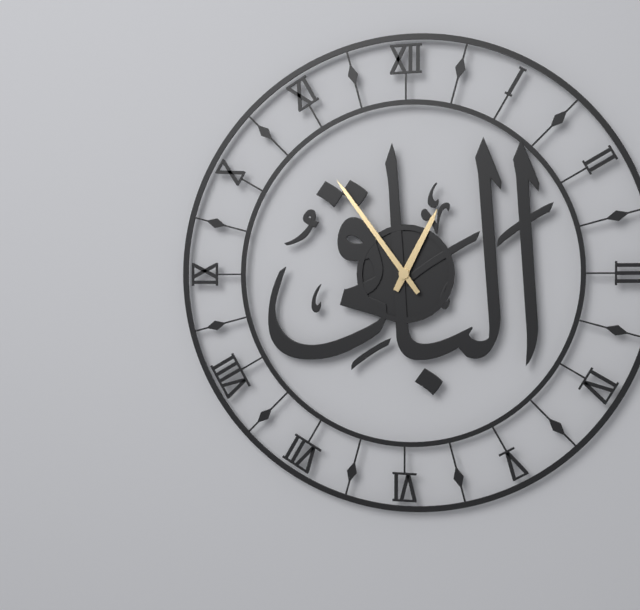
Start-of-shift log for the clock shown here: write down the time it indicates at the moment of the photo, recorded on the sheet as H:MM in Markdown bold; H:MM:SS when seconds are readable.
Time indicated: **12:54**
